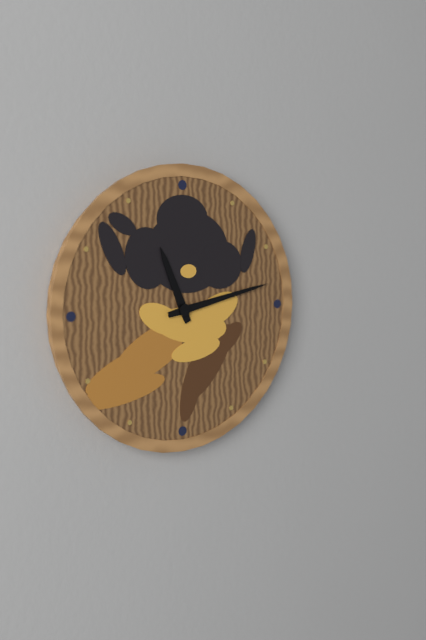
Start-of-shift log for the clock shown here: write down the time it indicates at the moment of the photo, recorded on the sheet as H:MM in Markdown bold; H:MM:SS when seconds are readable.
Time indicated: **11:13**
